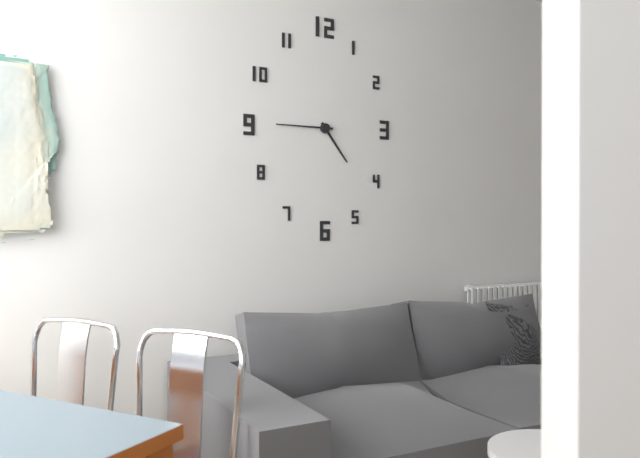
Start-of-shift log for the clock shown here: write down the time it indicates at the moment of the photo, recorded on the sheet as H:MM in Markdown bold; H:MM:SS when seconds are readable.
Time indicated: **4:45**
